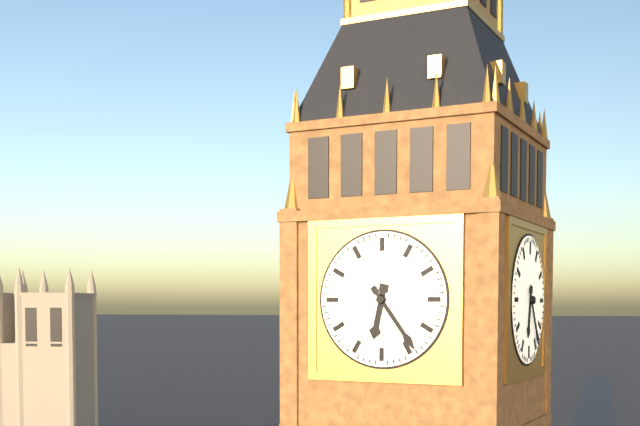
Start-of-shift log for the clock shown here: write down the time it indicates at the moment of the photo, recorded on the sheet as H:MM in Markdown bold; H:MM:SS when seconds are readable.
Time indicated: **6:24**
